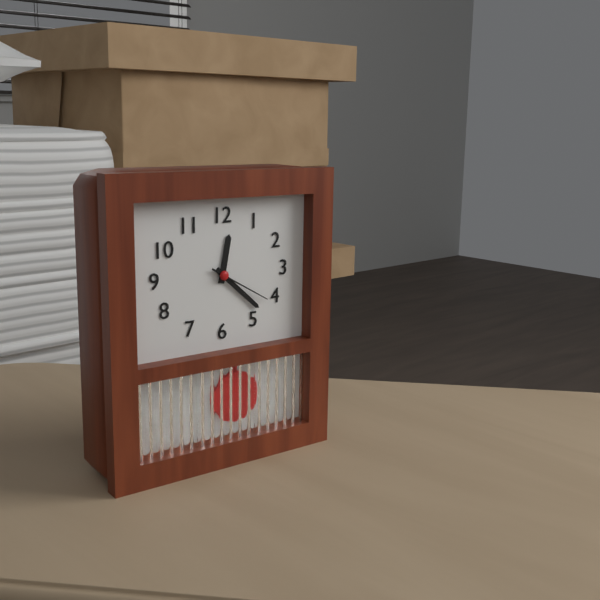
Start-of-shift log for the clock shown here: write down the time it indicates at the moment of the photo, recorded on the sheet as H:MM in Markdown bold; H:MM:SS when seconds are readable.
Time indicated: **12:22:20**
